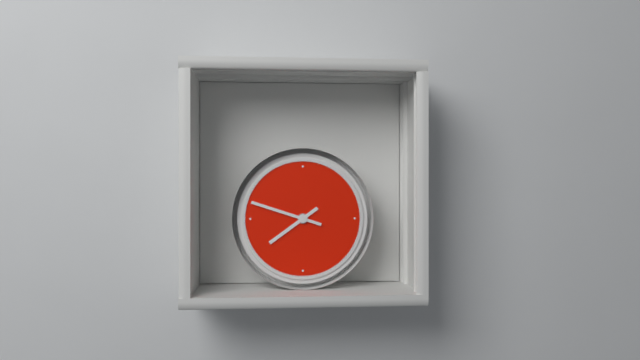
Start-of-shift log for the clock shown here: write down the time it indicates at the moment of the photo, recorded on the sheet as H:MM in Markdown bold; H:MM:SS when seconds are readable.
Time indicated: **7:48**
